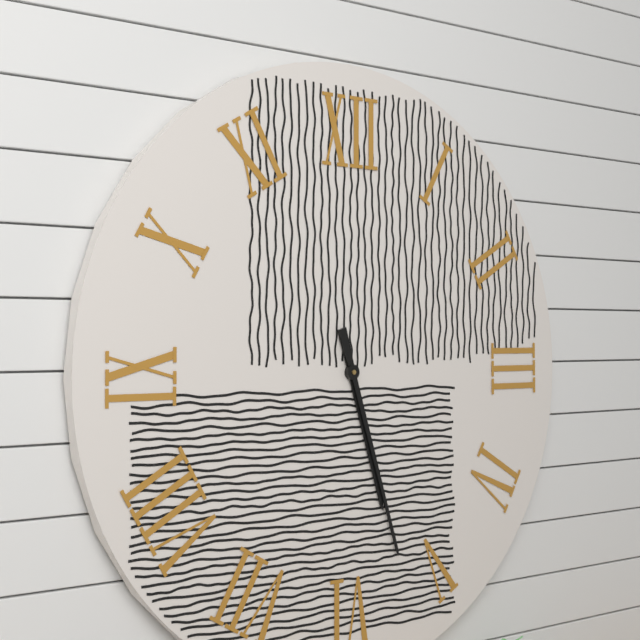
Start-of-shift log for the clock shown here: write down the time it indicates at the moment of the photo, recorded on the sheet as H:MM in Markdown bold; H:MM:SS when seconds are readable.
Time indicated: **5:27**
